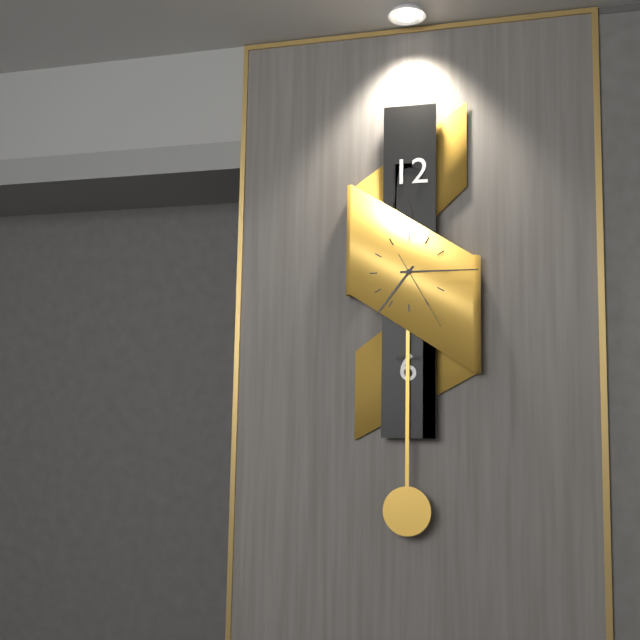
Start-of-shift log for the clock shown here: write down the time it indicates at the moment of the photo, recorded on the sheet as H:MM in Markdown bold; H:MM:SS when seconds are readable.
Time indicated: **7:15:25**
